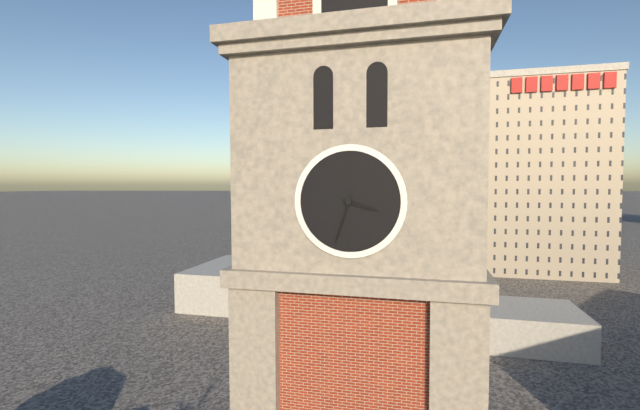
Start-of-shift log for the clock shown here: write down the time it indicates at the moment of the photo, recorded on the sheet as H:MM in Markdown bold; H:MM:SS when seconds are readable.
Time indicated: **3:33**
